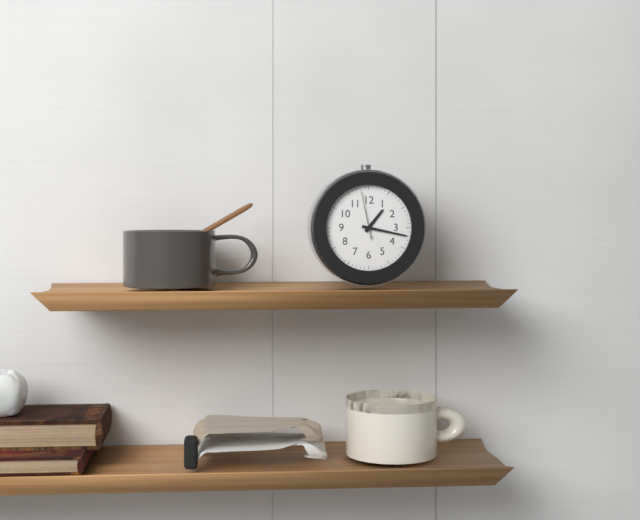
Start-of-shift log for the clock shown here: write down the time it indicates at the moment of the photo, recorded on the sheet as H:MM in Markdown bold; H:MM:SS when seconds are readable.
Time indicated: **1:17**
